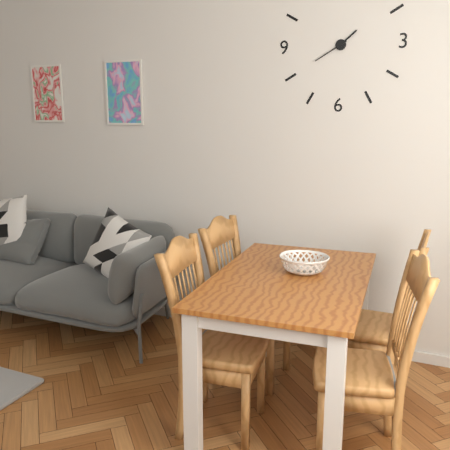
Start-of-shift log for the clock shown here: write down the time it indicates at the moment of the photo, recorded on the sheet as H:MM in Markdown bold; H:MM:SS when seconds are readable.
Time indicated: **1:40**
